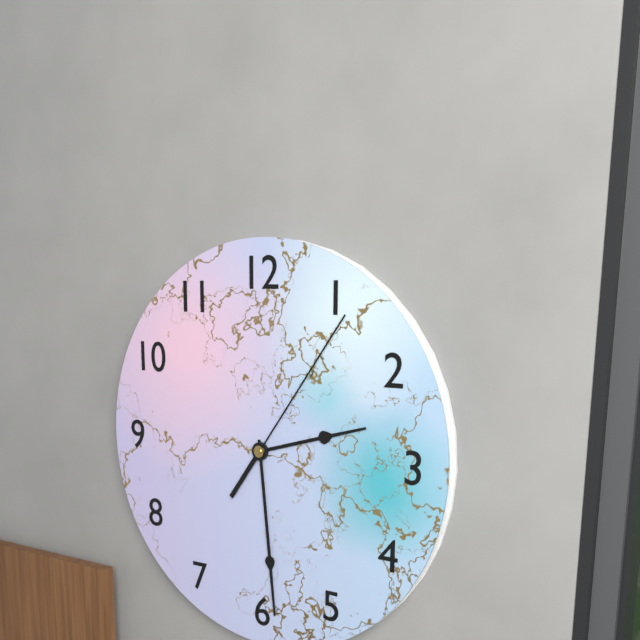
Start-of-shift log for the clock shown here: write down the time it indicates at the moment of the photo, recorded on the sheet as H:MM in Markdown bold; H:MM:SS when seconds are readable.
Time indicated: **2:29:06**
